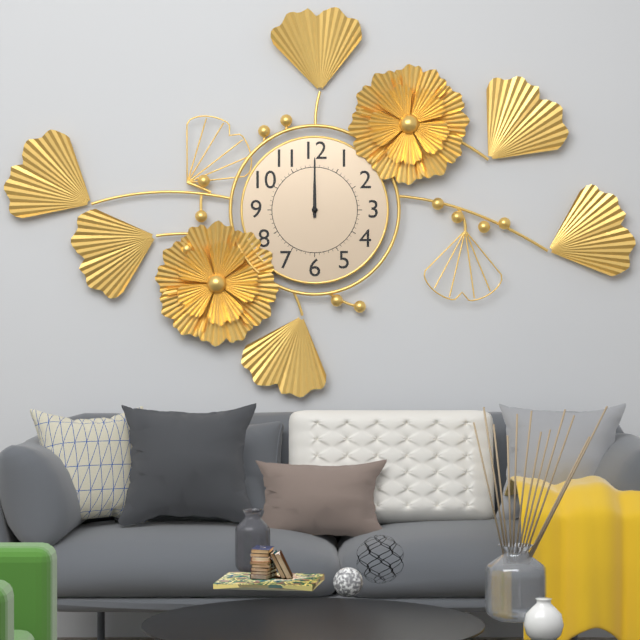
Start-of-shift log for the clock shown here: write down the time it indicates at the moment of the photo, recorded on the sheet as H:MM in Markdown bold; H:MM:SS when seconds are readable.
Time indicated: **12:00**
